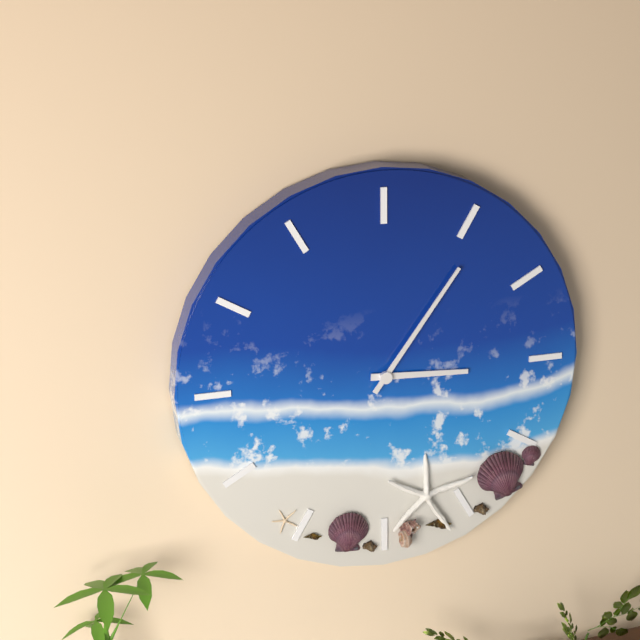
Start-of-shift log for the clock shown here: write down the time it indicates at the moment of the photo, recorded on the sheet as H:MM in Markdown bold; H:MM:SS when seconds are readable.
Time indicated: **3:06**
